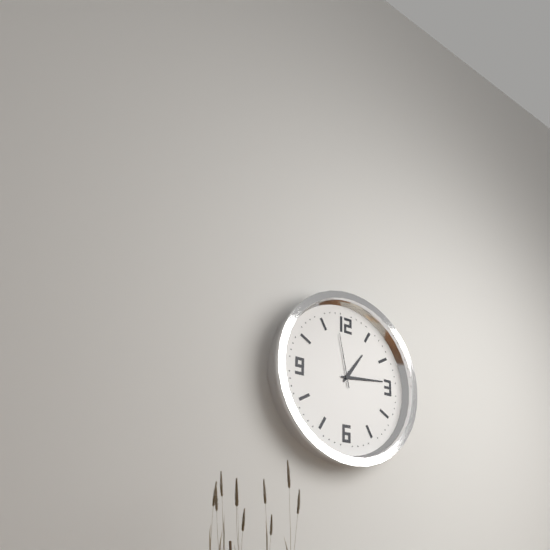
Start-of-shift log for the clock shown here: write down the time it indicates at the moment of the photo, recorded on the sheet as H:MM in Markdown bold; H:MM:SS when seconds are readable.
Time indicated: **1:14:58**
